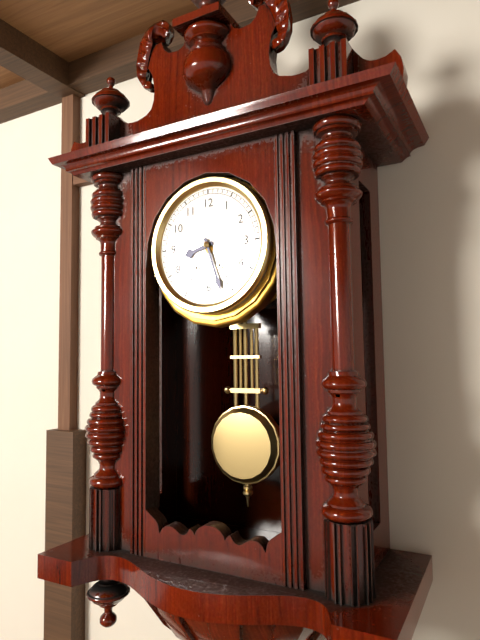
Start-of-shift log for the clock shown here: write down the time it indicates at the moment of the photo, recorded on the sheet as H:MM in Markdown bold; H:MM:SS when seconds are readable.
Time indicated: **8:27**
